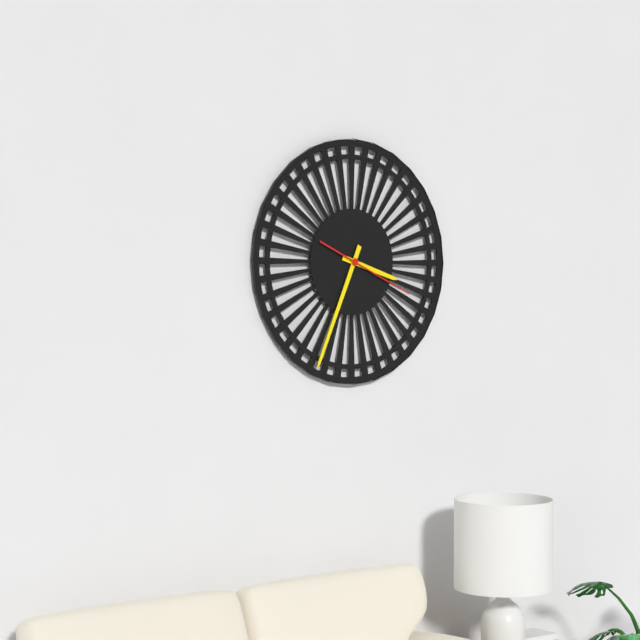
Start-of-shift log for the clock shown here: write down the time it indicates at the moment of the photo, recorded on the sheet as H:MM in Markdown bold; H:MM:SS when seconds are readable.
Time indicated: **3:34:19**
